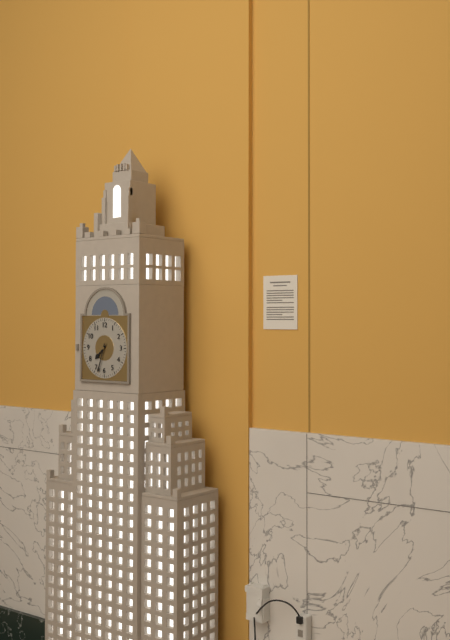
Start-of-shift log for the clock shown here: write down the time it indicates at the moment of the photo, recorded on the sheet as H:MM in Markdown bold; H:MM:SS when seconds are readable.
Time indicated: **7:33**
